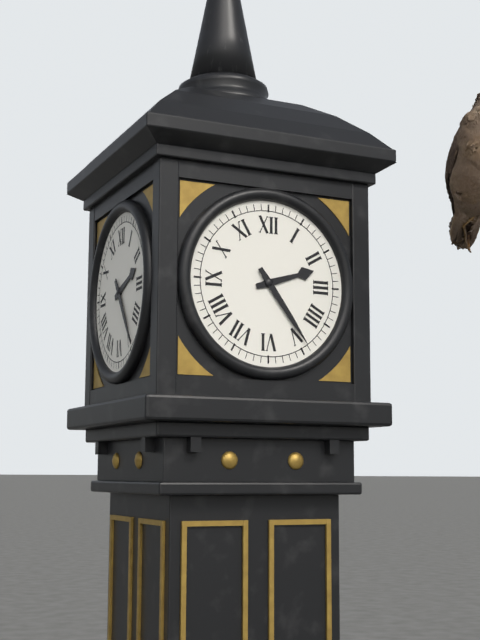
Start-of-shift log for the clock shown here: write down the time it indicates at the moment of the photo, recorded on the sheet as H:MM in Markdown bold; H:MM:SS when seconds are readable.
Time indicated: **2:24**
